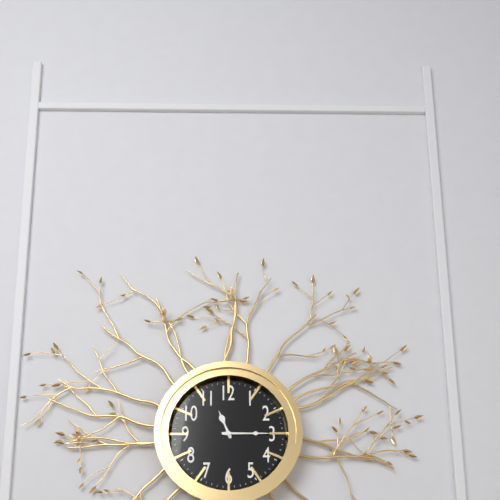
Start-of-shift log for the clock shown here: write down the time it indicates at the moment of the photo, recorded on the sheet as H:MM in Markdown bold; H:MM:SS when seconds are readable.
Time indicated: **11:15**
